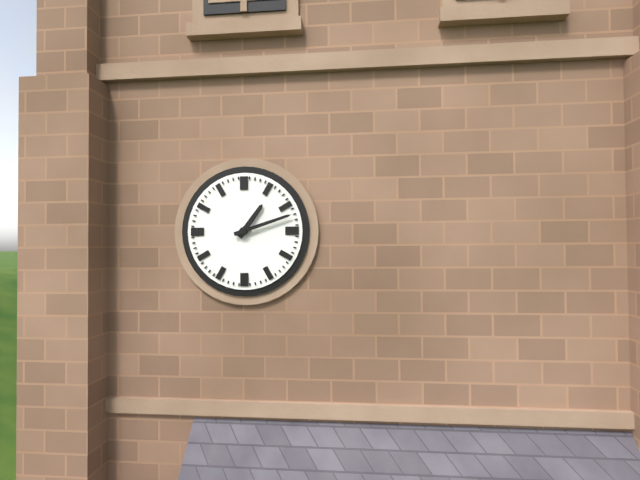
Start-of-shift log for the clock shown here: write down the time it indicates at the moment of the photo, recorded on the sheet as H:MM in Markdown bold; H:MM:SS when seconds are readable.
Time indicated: **1:12**
